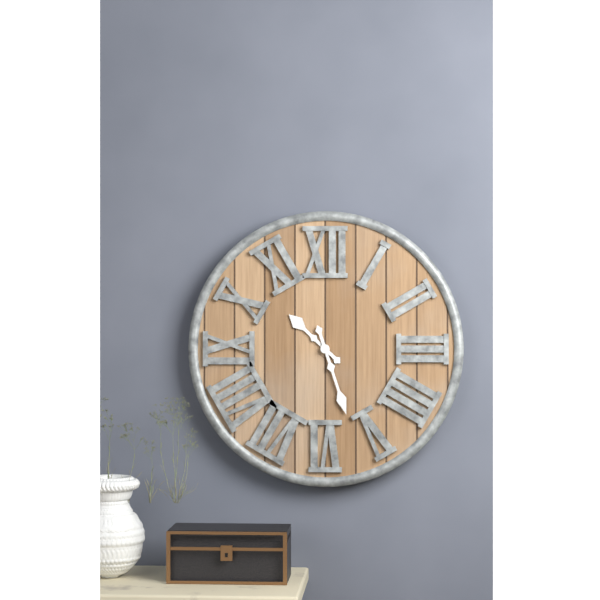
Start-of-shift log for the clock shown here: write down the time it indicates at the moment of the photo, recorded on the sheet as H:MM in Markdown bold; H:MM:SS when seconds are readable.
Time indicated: **10:27**
